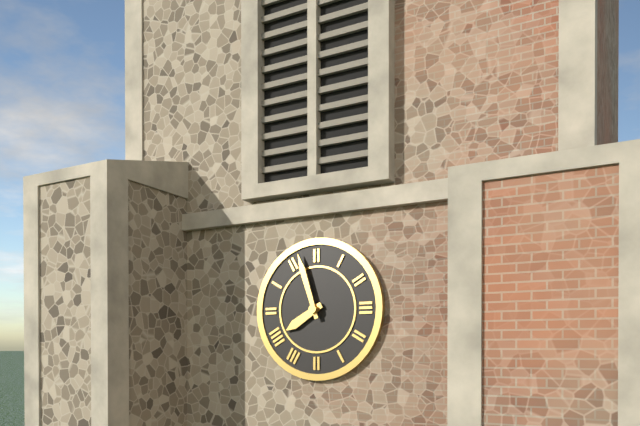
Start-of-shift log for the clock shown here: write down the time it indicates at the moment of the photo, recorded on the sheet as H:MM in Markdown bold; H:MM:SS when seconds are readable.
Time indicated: **7:57**
